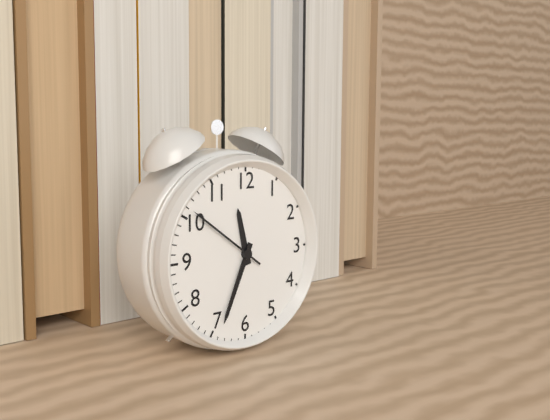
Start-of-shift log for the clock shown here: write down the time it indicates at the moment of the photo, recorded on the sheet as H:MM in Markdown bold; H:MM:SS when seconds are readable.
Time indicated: **11:34:51**
